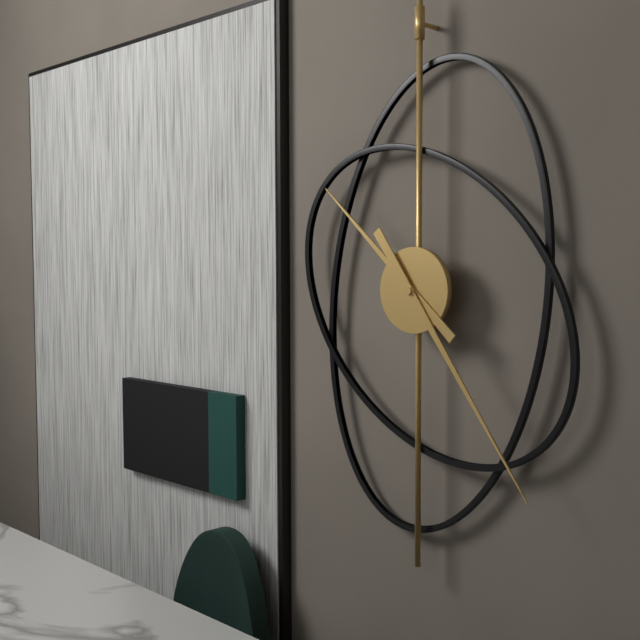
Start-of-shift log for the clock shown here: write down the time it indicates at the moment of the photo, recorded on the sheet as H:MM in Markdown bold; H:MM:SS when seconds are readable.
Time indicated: **10:24**
